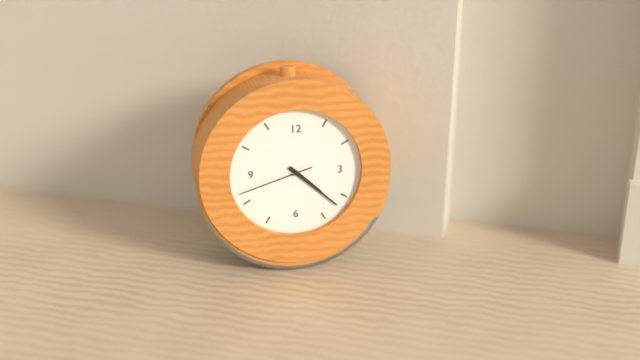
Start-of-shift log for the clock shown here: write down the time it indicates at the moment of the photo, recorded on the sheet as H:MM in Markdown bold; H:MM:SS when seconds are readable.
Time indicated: **4:22:42**
